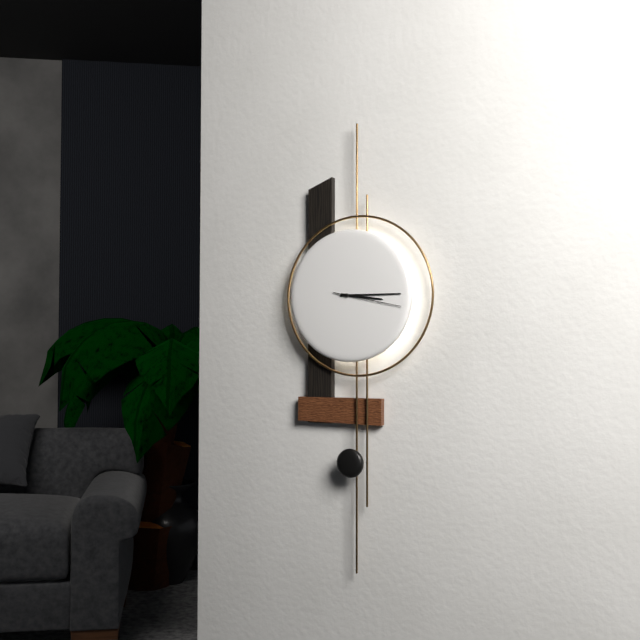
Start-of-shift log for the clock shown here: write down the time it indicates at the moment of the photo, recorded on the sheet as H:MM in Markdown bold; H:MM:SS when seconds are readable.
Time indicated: **3:15:17**
